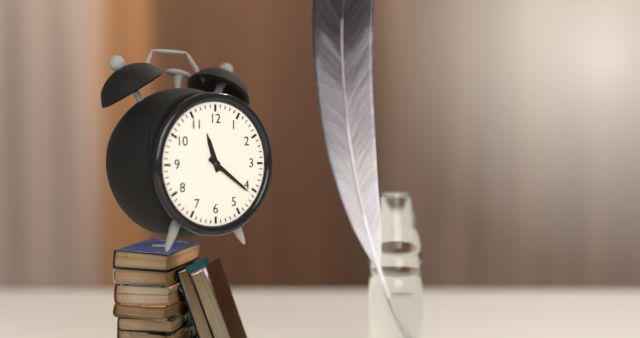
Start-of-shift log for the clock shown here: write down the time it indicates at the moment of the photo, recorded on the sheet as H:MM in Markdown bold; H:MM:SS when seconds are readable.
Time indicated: **11:21**
